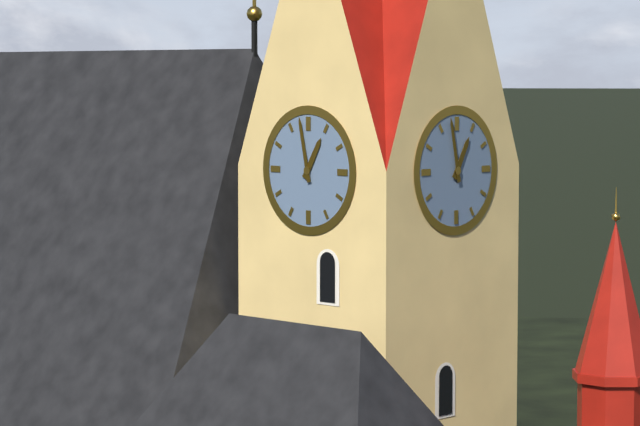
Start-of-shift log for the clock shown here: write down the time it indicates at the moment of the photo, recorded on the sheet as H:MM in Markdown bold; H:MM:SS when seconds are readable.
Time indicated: **12:58**
